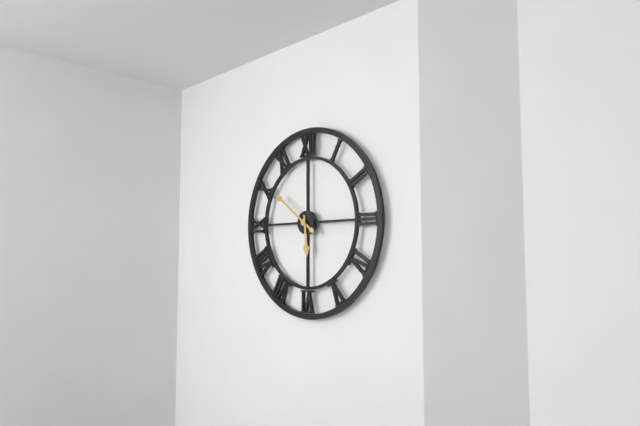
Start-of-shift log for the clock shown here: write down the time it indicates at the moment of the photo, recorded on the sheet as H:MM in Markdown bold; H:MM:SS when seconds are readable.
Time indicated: **5:51**
